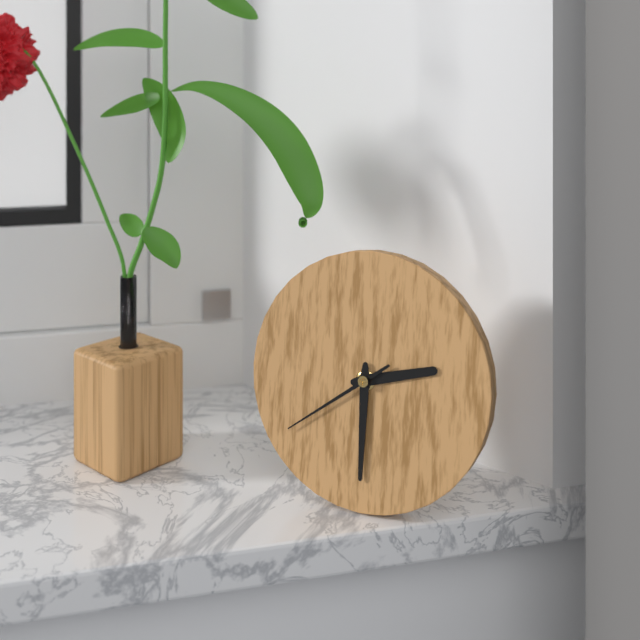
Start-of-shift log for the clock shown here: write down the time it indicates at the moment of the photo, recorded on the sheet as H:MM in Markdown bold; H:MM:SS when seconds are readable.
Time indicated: **2:30:39**
